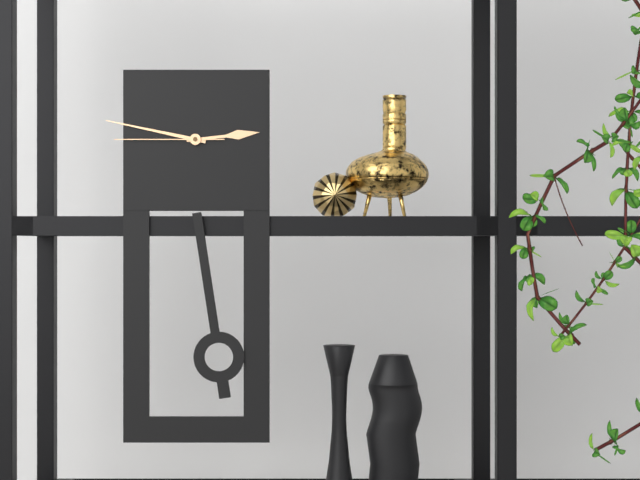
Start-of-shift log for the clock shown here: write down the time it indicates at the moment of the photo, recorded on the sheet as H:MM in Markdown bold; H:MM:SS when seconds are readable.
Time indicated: **2:47:45**
